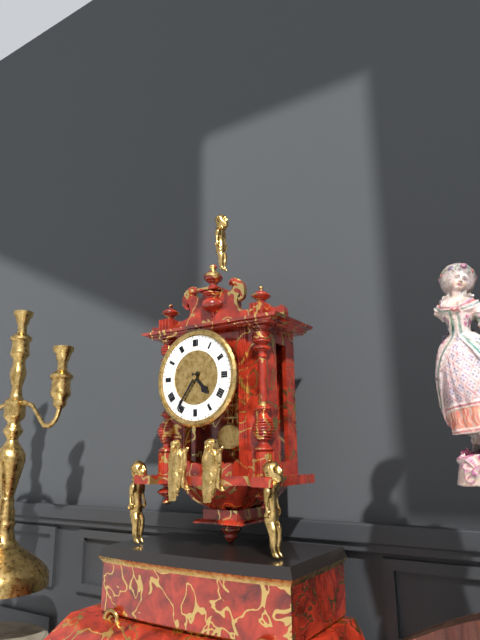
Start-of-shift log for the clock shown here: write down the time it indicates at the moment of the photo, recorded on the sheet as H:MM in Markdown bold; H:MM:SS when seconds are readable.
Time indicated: **4:36**
